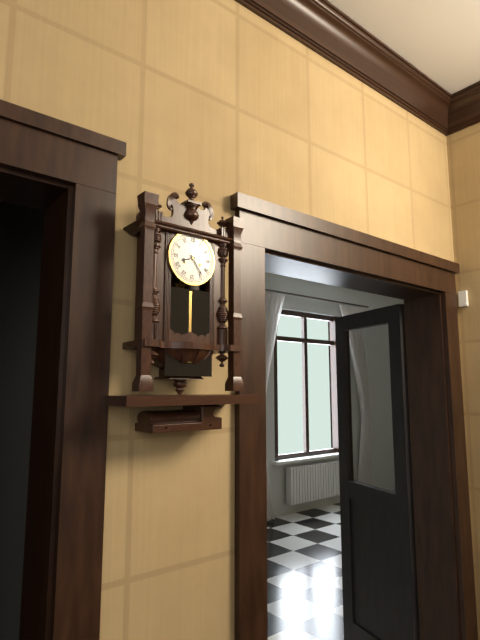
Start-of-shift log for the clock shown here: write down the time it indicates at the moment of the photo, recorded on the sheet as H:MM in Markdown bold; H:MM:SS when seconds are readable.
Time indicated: **8:24**
